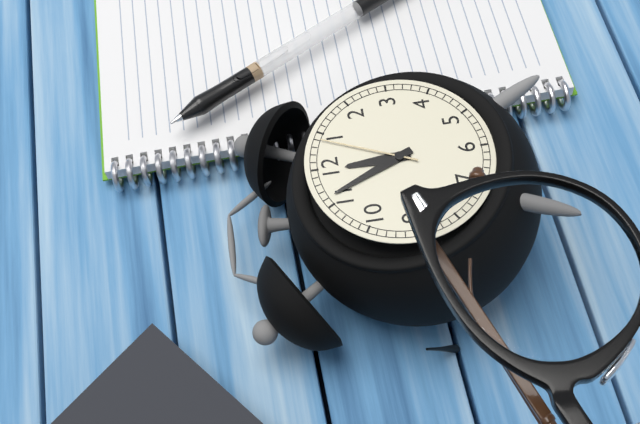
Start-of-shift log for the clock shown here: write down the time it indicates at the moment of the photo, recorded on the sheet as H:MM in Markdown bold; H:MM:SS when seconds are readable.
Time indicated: **11:56:04**
